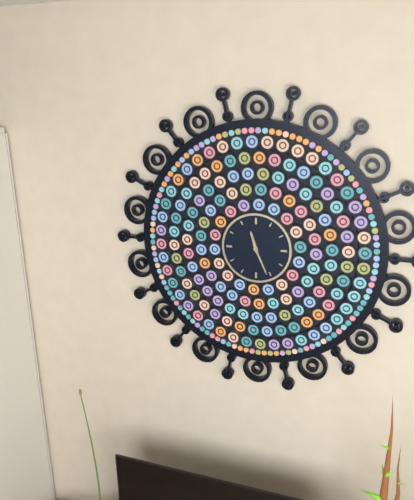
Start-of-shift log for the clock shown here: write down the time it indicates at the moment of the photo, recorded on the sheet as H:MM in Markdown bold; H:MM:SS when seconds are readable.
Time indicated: **11:26**
